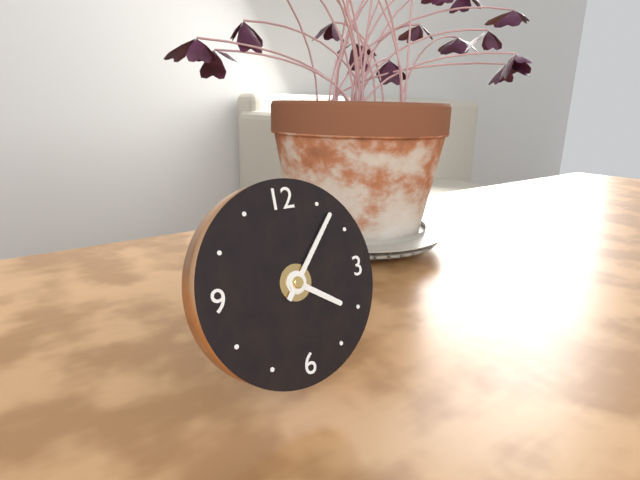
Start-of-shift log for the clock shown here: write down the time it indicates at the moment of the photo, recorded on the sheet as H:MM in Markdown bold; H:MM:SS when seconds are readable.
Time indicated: **4:07**
